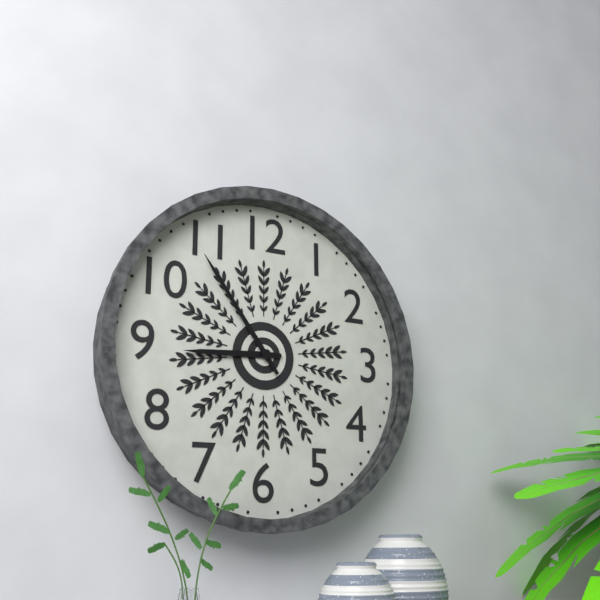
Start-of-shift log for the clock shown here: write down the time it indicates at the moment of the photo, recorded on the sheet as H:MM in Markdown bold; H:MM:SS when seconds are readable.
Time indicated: **8:54**
